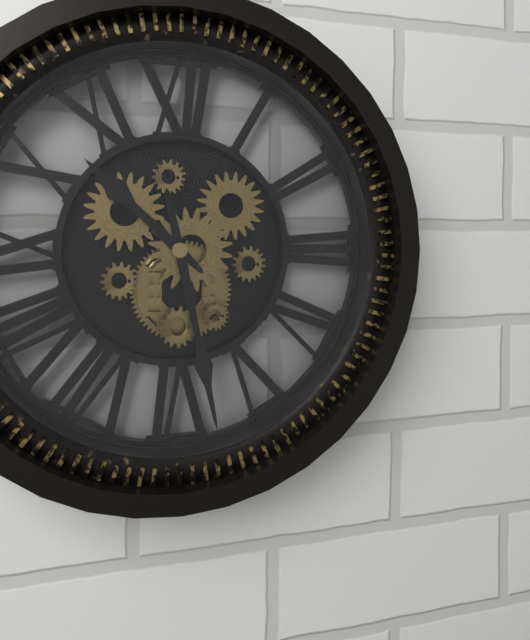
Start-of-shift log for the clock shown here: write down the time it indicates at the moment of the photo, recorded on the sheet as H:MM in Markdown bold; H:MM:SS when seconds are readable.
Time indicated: **10:28**
